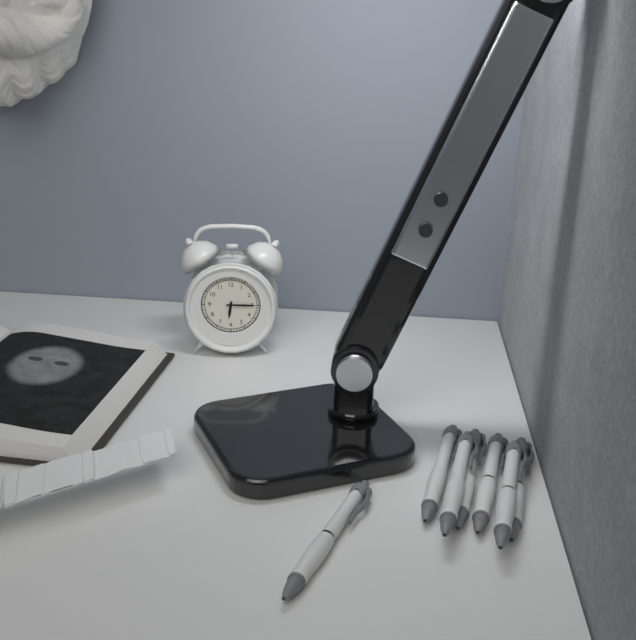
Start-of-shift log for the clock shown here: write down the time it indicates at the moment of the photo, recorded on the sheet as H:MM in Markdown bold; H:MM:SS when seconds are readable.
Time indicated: **6:15**
